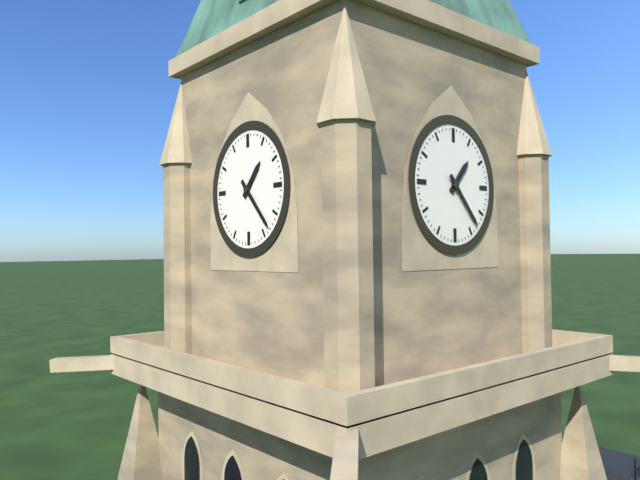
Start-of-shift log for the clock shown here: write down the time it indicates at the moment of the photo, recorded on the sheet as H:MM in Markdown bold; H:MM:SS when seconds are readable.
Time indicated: **1:23**
